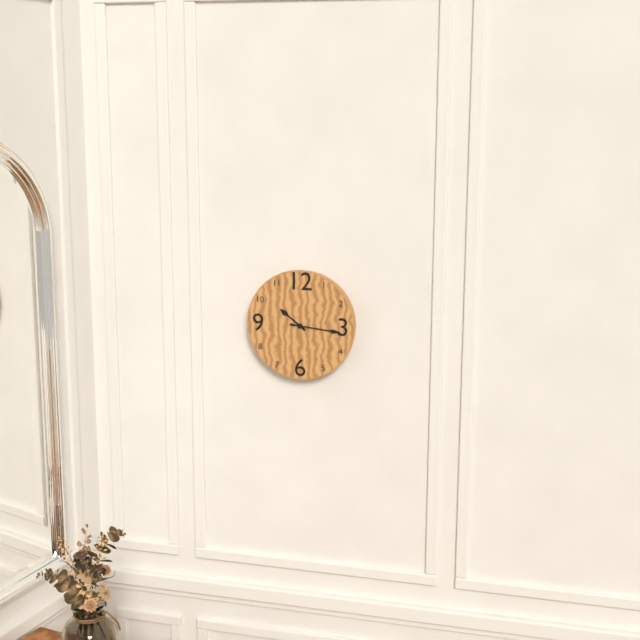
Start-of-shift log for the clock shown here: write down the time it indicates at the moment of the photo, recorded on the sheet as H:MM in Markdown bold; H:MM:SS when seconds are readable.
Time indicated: **10:16**
